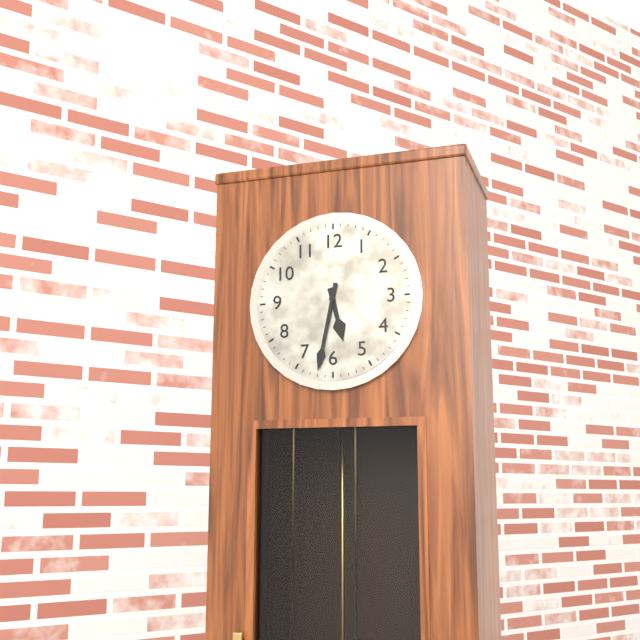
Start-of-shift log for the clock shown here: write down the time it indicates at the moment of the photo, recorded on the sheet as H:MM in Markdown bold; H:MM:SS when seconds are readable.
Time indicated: **5:32**
